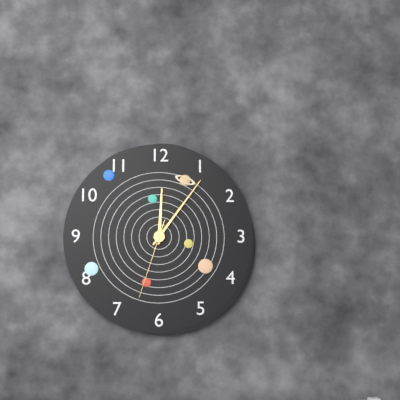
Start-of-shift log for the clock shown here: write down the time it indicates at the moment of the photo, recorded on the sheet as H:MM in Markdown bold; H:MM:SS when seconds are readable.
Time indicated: **12:06:33**
